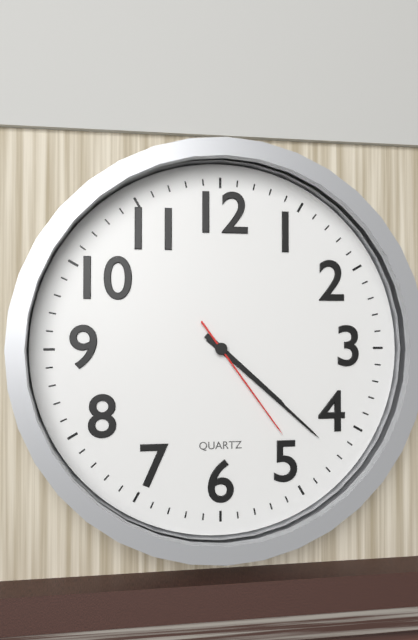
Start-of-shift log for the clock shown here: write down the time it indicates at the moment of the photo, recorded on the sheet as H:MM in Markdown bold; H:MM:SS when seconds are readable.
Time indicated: **4:22:24**
